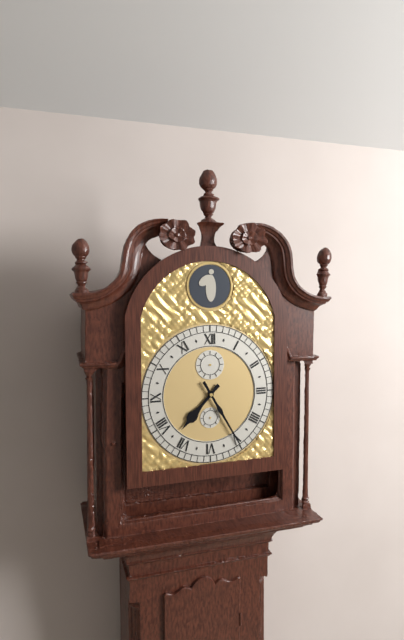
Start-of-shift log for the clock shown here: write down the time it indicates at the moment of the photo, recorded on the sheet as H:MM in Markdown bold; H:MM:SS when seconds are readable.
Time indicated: **7:25**
